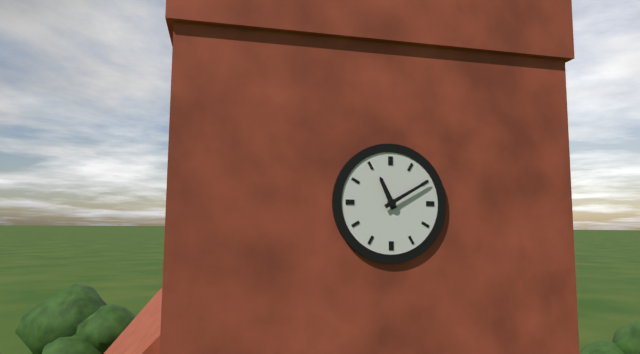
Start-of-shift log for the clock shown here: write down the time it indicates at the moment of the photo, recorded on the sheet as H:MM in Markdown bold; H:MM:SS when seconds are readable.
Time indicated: **11:10**
